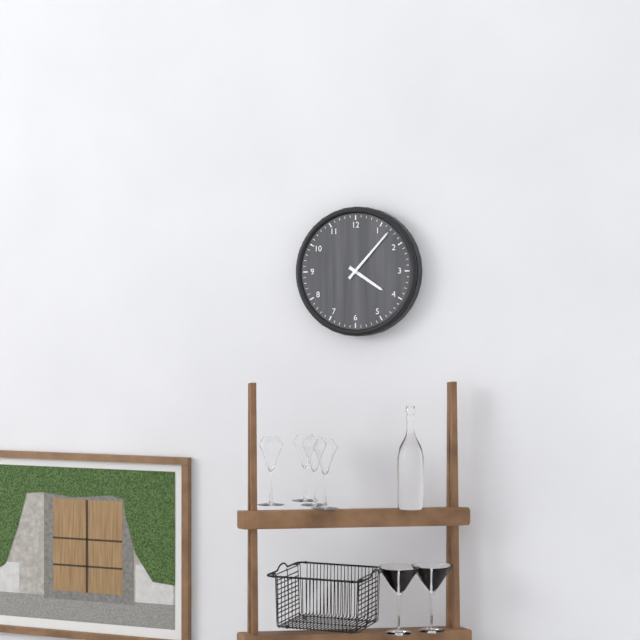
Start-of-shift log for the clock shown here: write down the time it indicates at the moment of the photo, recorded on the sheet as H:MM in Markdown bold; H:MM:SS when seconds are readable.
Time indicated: **4:07**
